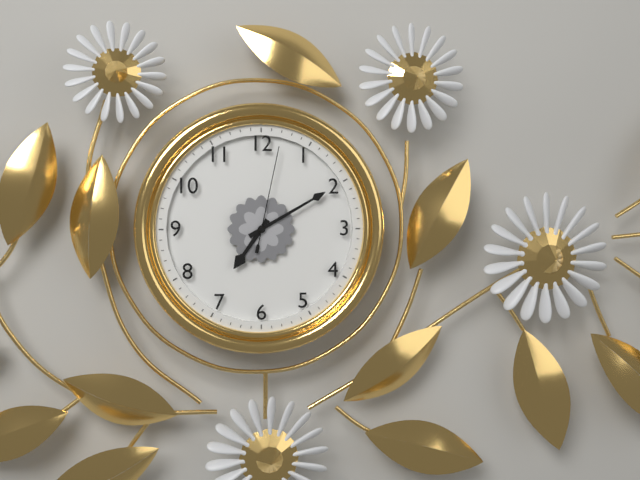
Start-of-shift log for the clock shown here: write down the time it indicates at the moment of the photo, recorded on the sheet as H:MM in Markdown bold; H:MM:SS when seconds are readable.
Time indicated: **7:10:02**
